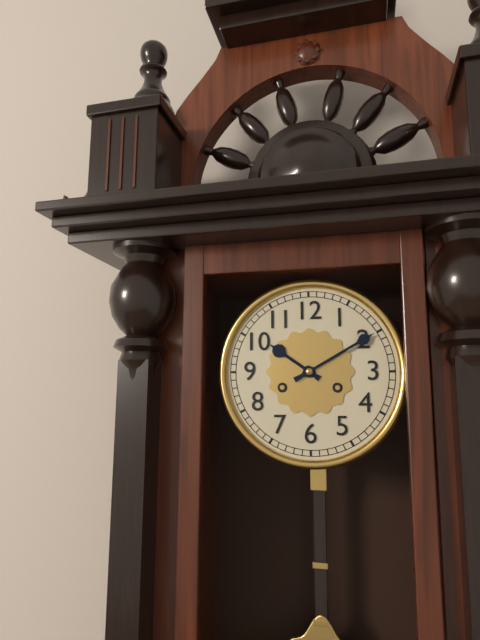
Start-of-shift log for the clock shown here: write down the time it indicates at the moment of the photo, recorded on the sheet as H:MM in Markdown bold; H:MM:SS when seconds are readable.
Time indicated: **10:10**
